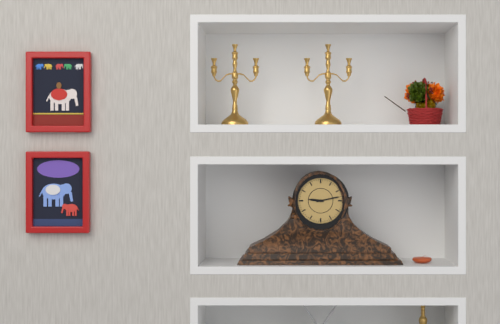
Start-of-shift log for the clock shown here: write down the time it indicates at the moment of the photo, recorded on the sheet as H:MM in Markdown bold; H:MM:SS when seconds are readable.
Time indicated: **9:13**
